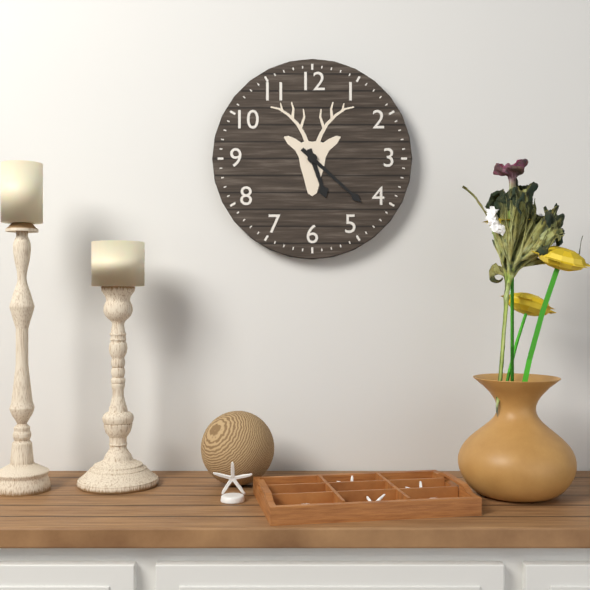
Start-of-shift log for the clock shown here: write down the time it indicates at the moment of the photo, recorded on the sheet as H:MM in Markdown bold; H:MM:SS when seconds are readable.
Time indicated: **5:22**
